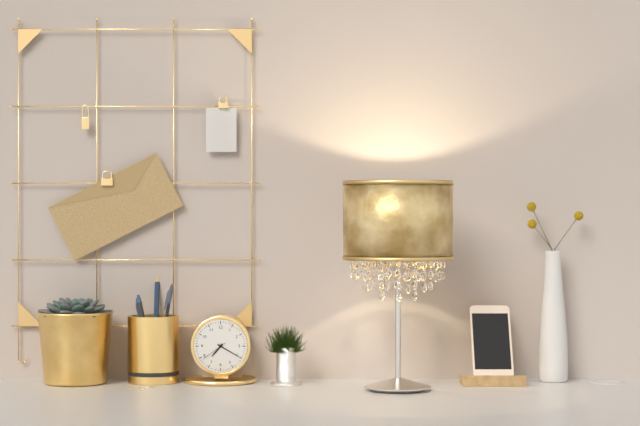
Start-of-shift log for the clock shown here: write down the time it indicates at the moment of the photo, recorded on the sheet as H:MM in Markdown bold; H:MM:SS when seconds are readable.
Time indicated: **7:20**
